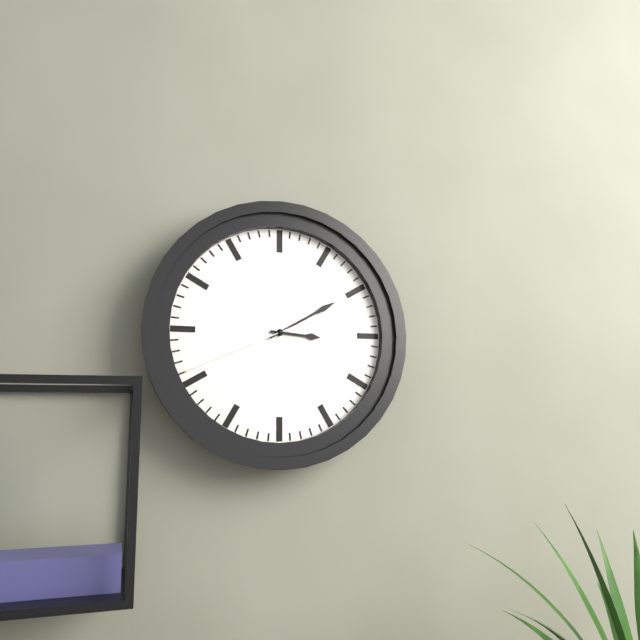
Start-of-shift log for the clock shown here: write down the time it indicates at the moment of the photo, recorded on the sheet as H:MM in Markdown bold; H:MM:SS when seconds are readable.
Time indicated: **3:10:41**
